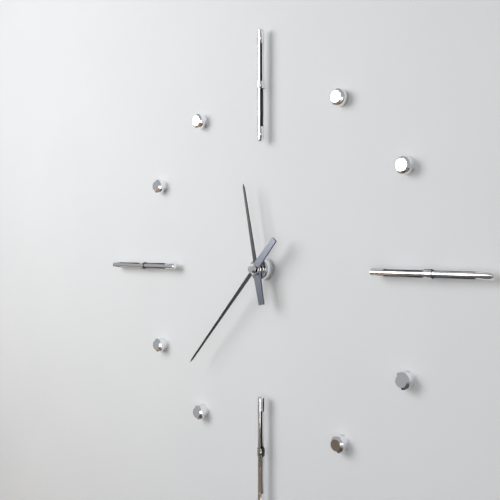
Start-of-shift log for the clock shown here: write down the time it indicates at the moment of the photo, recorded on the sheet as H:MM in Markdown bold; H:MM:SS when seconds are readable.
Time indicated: **11:37**
